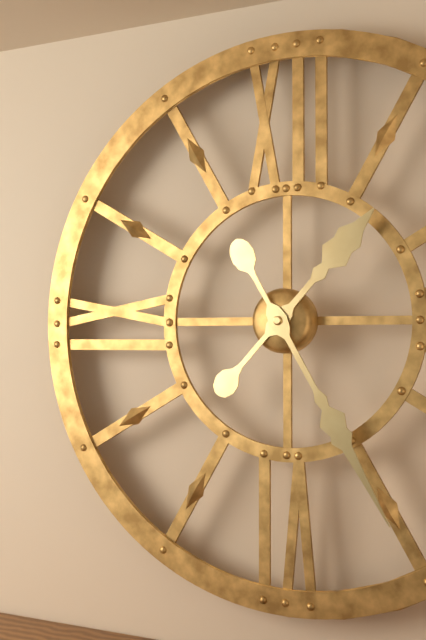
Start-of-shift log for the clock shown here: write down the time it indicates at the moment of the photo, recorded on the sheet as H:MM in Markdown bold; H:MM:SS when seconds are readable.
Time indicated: **1:25**
